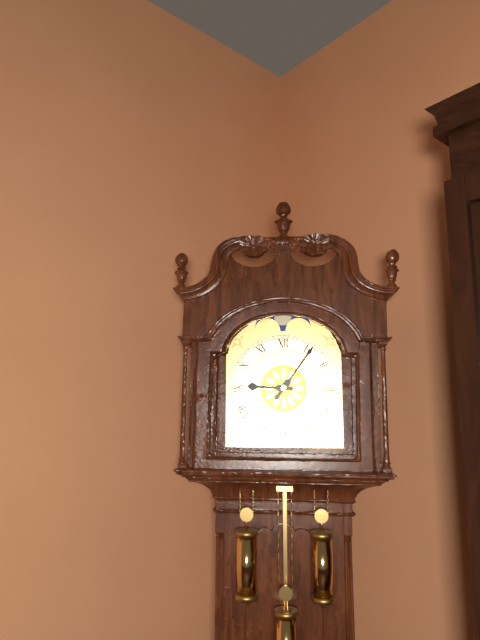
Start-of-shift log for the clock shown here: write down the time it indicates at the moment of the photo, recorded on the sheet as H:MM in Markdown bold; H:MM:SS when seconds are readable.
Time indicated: **9:06**
